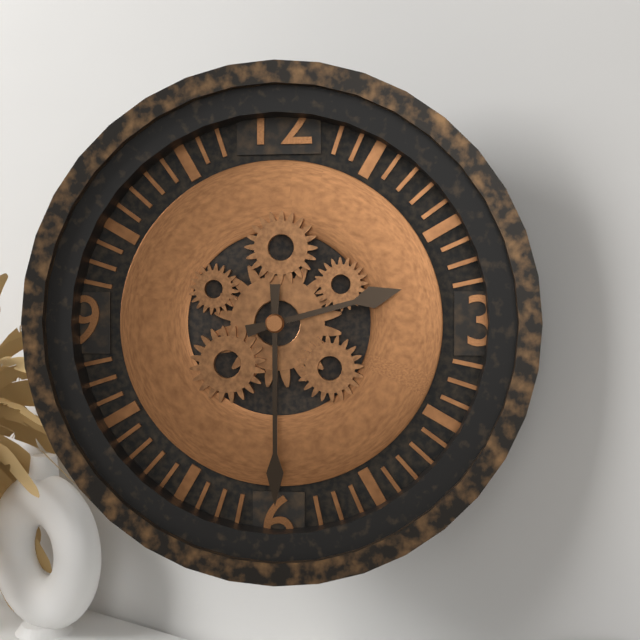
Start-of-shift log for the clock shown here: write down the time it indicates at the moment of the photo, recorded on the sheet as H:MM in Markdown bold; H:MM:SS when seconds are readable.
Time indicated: **2:30**
